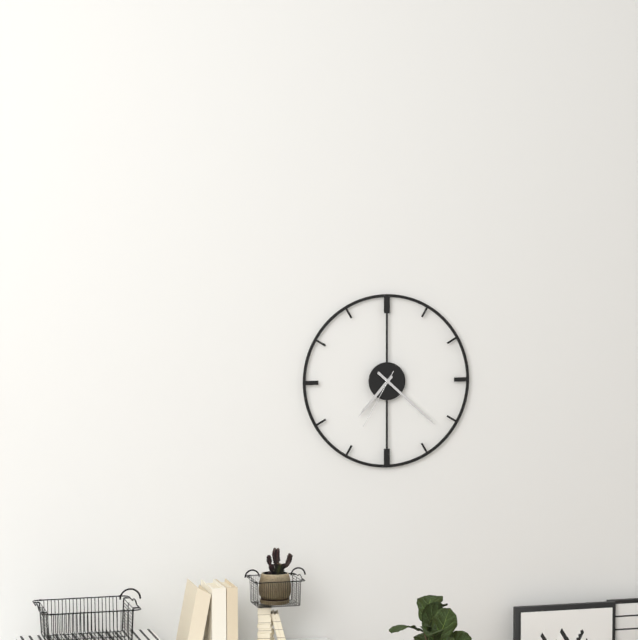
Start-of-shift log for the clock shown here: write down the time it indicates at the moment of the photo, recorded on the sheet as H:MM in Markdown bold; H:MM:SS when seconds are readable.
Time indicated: **7:22:35**
